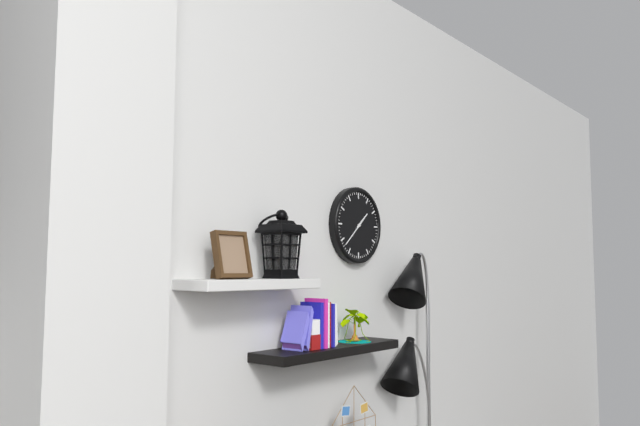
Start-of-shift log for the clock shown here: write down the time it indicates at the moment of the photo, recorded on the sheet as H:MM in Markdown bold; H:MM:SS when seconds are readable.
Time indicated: **1:38**
